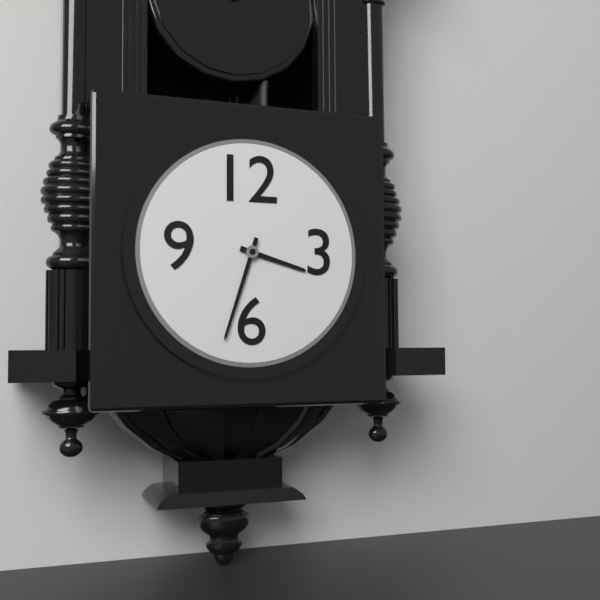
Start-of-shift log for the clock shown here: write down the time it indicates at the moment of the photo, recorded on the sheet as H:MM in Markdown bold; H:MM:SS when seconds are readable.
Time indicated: **3:33**
